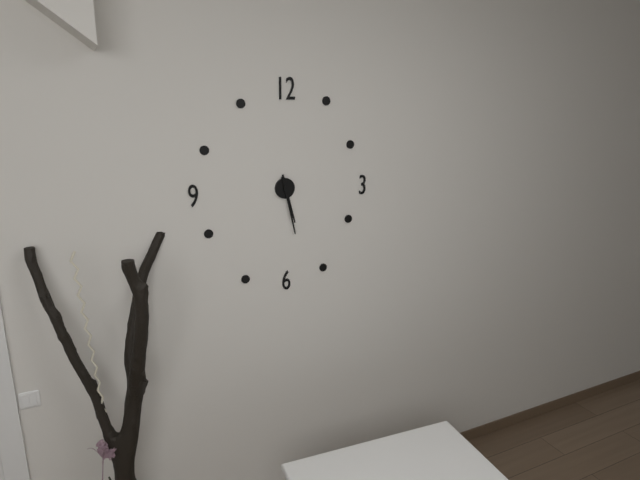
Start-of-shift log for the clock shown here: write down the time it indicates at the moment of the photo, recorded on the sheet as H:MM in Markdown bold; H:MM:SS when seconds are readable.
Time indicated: **5:28**
